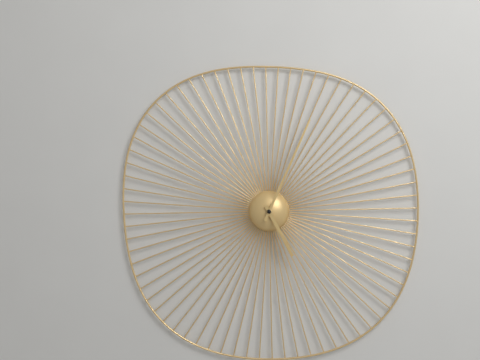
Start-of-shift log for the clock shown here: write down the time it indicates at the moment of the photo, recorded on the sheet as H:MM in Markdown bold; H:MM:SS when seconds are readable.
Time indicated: **5:04**
